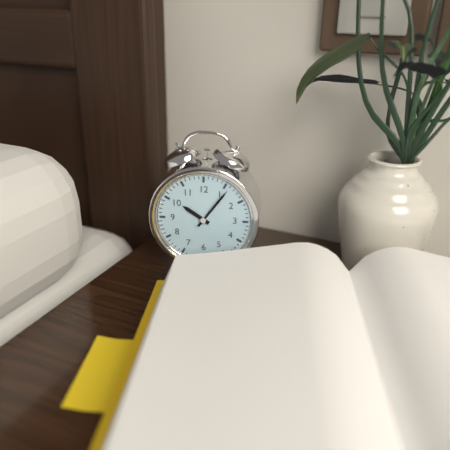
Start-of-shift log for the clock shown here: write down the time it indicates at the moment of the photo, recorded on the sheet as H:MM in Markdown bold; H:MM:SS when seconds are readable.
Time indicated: **10:06**
